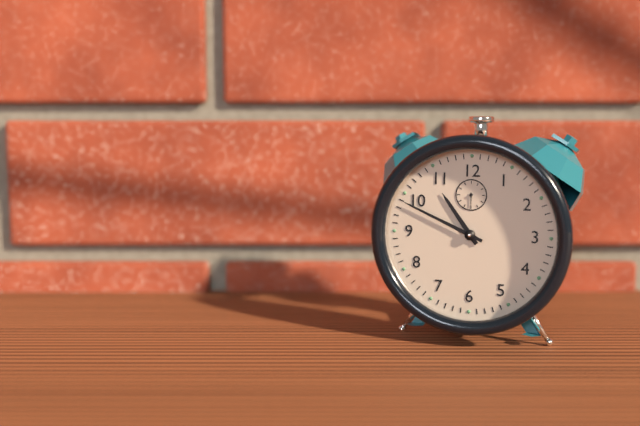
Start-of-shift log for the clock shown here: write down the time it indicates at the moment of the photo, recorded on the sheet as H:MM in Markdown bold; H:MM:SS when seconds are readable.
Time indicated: **10:49**
